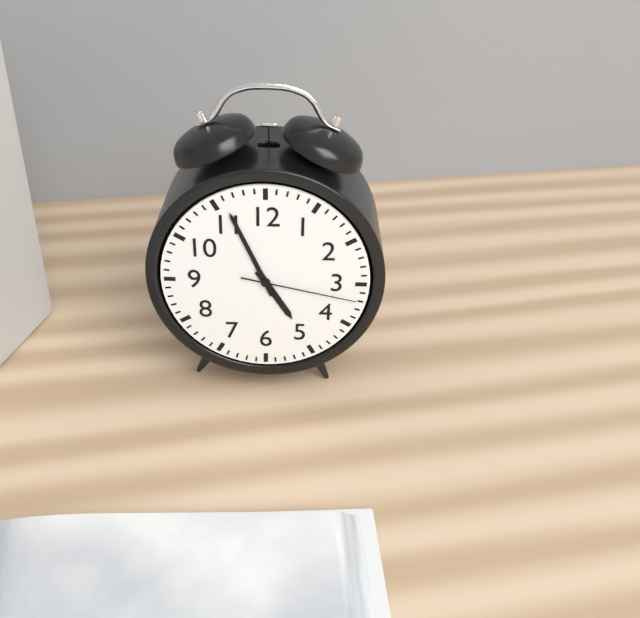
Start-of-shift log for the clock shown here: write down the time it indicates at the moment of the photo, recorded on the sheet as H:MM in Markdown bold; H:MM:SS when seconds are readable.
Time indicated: **4:56:17**
